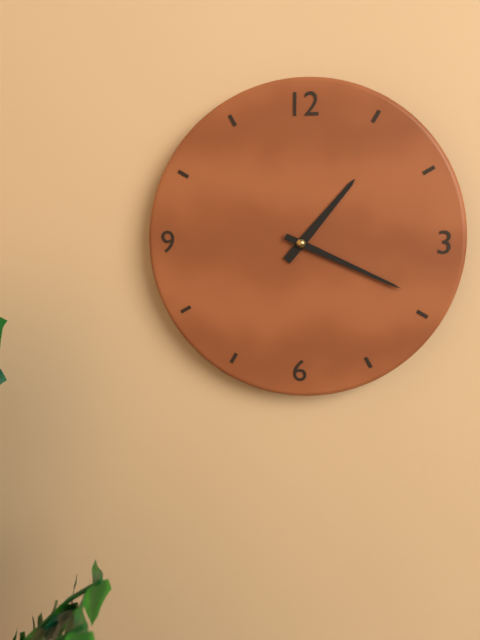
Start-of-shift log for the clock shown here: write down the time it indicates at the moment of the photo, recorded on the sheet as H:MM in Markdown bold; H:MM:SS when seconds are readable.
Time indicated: **1:19**
